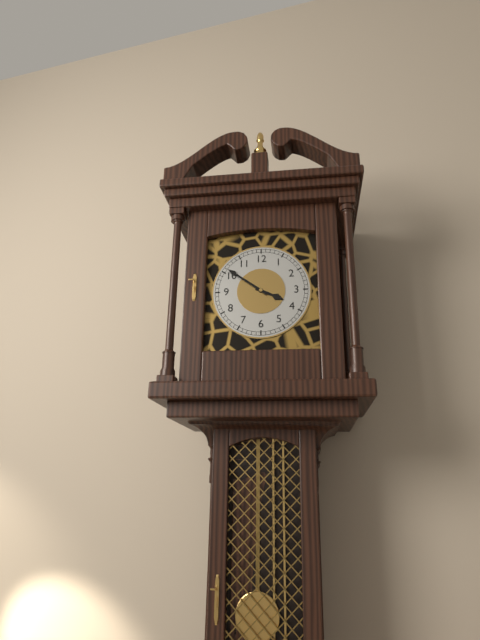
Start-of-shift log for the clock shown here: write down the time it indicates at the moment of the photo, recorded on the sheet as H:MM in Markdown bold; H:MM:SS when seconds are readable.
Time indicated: **3:51**
